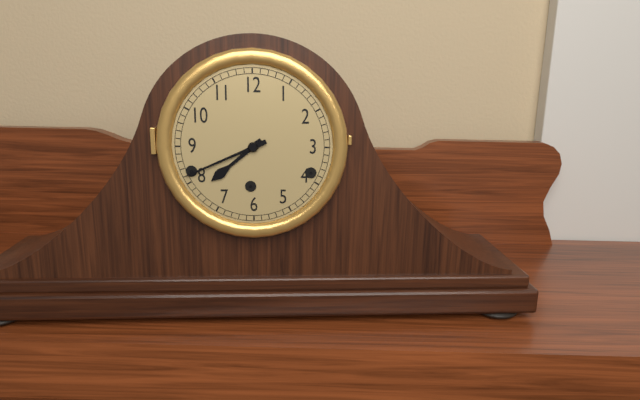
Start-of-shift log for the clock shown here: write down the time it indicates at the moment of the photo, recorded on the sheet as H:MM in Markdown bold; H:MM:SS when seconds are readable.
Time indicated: **7:41**
